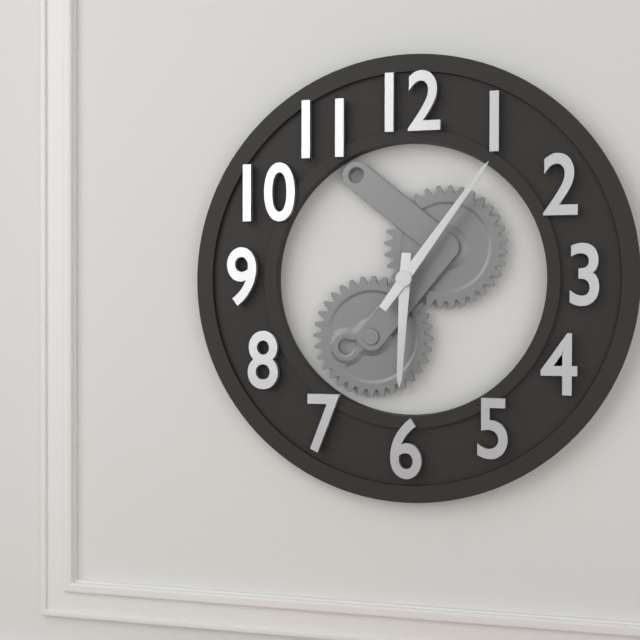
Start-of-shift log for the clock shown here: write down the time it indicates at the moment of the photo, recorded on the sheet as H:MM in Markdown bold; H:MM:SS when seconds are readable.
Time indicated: **6:06**
